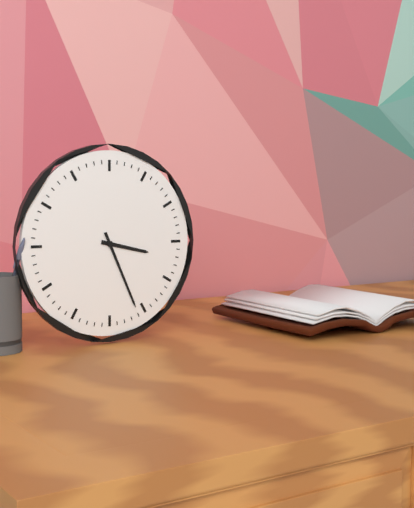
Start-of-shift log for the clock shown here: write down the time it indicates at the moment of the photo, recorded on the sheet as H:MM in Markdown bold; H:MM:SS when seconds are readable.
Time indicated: **3:26**
